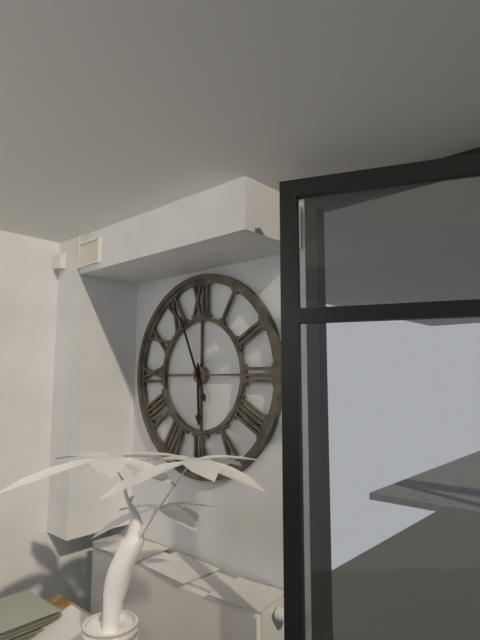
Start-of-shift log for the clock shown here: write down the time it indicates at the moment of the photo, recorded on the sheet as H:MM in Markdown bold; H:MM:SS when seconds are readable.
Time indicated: **5:56**
